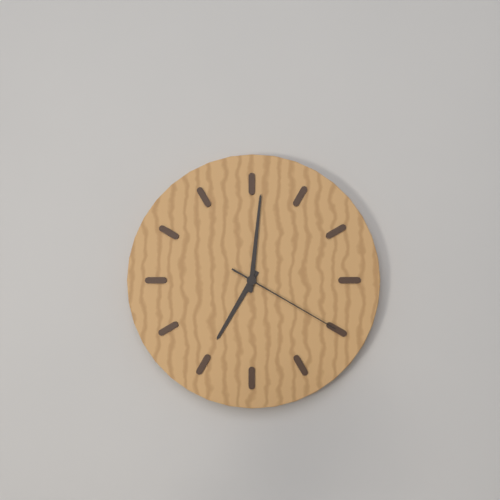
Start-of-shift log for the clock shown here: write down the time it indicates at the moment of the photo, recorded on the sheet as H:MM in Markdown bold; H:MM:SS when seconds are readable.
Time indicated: **7:01:20**
